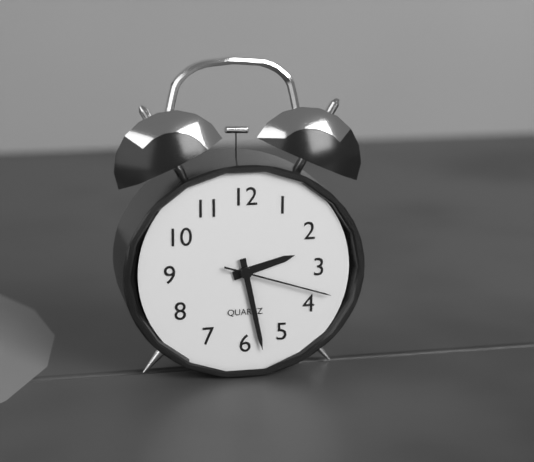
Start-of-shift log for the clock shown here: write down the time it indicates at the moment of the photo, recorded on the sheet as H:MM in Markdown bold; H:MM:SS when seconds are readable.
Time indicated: **2:28:18**
